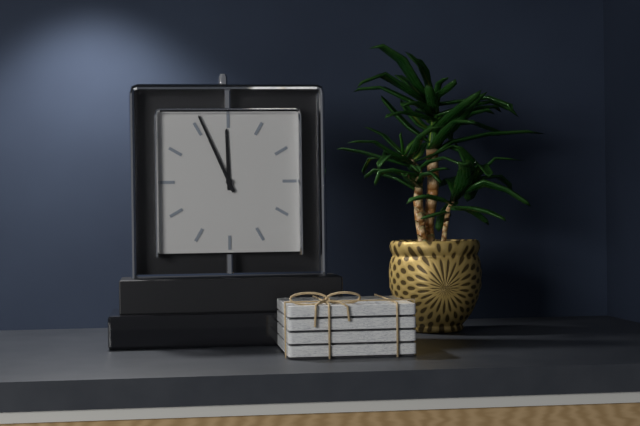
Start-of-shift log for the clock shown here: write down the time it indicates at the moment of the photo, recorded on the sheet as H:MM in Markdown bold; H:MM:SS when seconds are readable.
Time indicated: **11:56**
